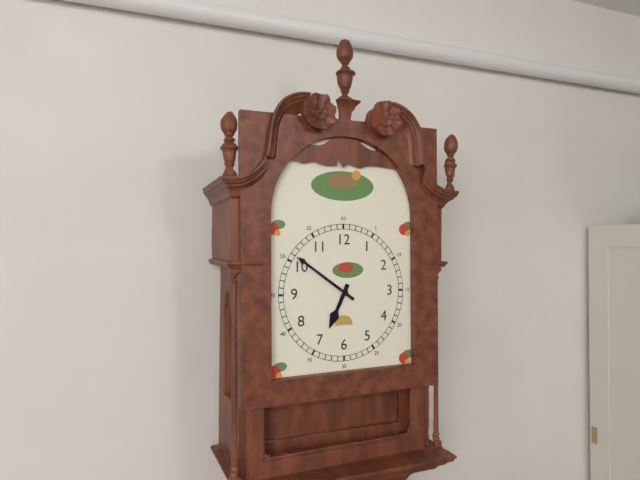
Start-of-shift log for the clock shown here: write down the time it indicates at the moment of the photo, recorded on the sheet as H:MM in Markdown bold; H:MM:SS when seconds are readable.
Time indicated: **6:51**
